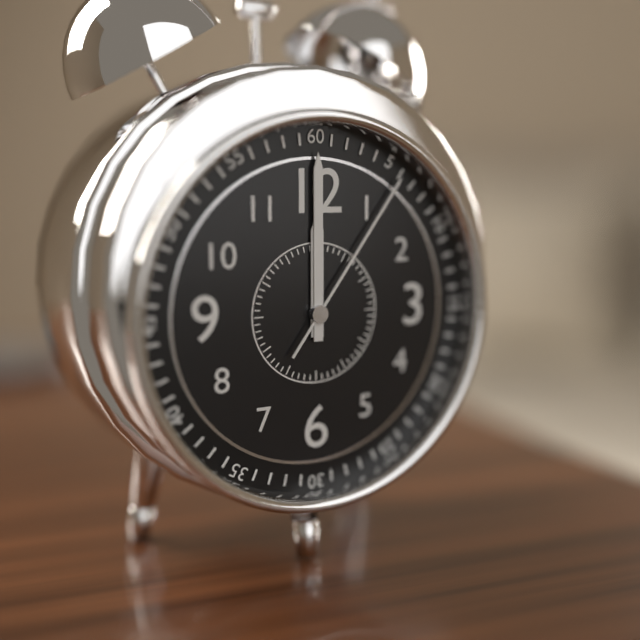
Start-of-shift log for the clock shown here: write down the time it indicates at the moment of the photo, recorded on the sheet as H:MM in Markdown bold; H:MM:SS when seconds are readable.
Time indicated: **12:00:06**
